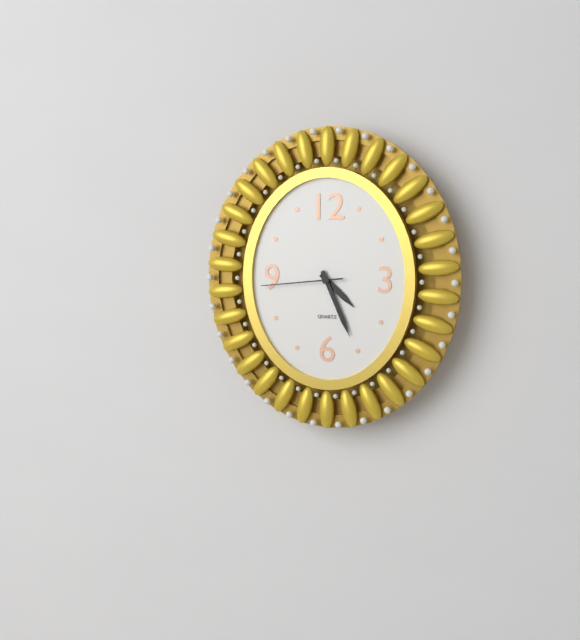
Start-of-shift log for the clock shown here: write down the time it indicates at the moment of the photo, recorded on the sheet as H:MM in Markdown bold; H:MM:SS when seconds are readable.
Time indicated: **4:26:44**
